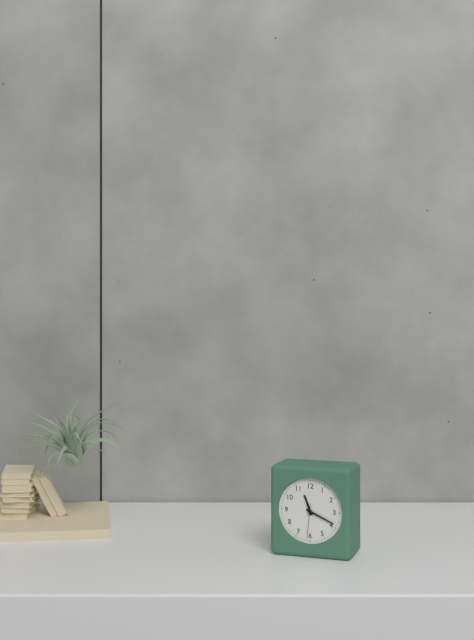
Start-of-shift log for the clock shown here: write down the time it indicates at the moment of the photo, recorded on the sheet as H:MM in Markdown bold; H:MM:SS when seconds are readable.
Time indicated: **11:19**
